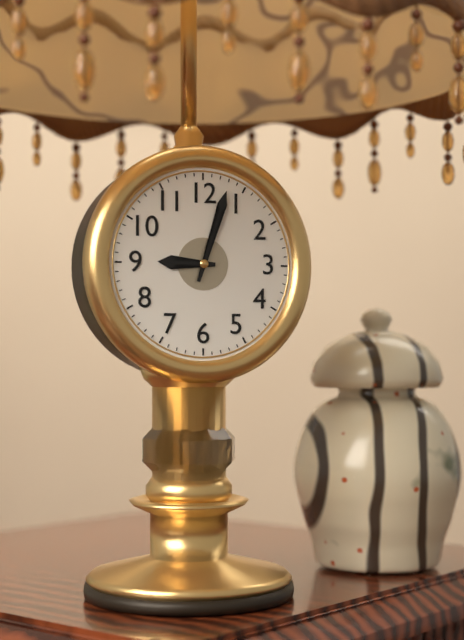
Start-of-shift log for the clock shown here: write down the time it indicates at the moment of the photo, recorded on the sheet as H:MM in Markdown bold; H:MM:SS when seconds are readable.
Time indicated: **9:03**
